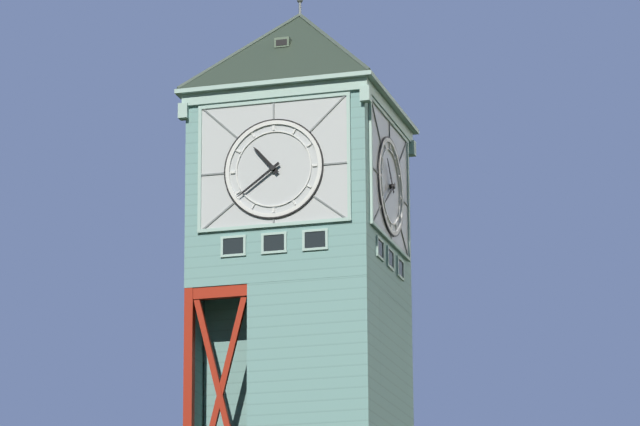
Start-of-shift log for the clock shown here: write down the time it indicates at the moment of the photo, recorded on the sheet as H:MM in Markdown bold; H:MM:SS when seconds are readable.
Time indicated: **10:39**
